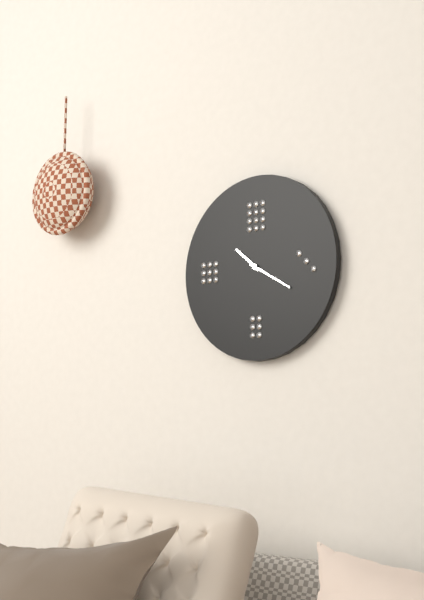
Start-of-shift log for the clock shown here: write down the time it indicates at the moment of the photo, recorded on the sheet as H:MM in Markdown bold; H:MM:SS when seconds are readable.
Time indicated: **10:20**
